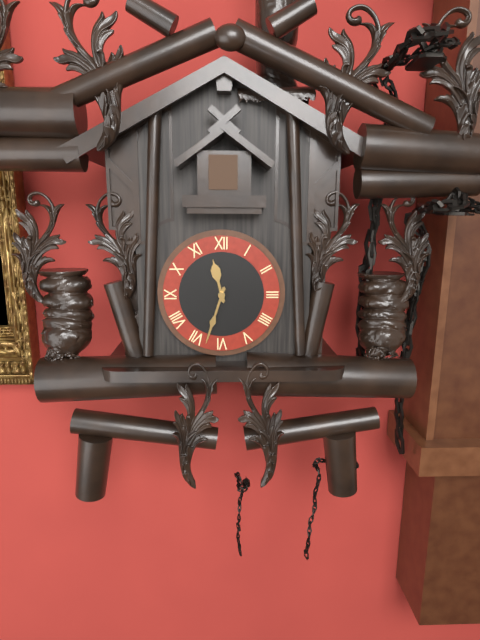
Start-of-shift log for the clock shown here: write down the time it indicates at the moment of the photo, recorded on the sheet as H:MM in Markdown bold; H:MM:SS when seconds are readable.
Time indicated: **11:33**
